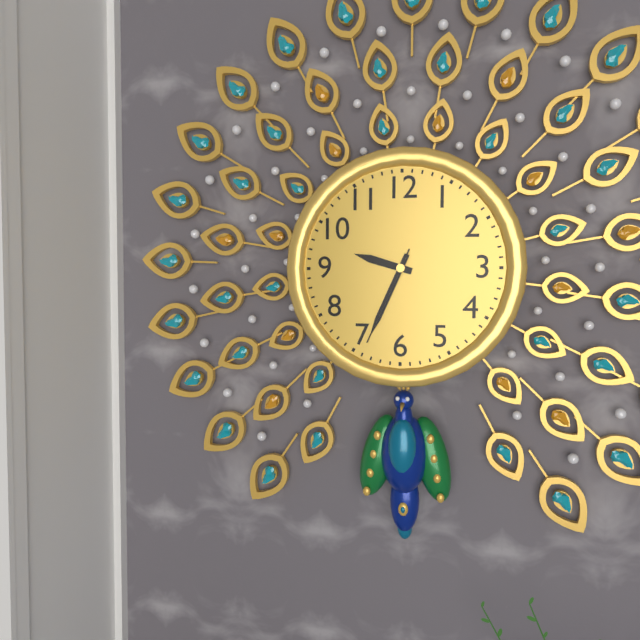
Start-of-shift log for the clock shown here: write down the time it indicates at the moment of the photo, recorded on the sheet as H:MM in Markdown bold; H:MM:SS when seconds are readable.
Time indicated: **9:34:34**
